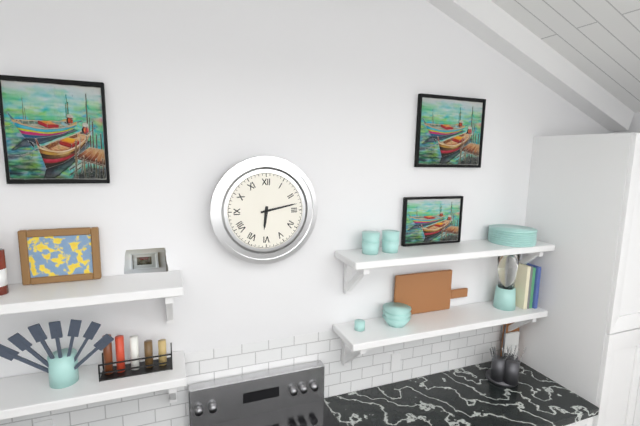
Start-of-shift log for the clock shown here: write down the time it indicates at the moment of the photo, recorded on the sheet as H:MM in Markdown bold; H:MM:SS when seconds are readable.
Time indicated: **6:13**
